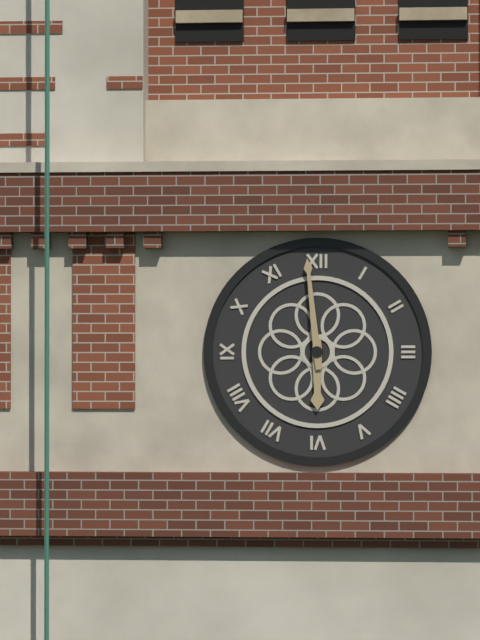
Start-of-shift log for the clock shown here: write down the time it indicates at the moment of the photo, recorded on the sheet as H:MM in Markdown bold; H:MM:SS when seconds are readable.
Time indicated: **5:59**
